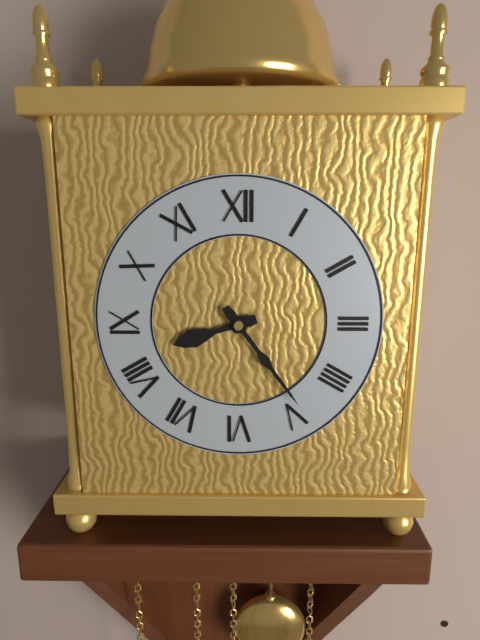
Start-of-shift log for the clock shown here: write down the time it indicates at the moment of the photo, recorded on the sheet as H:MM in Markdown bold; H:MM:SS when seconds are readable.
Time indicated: **8:24**
